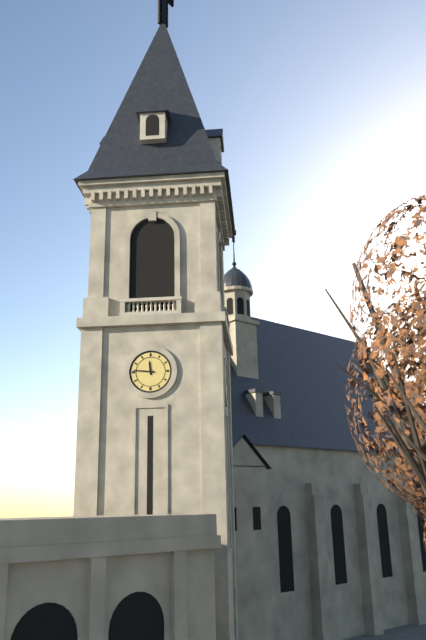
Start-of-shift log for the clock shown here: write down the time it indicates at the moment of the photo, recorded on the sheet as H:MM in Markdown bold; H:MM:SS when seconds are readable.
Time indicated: **11:46**
